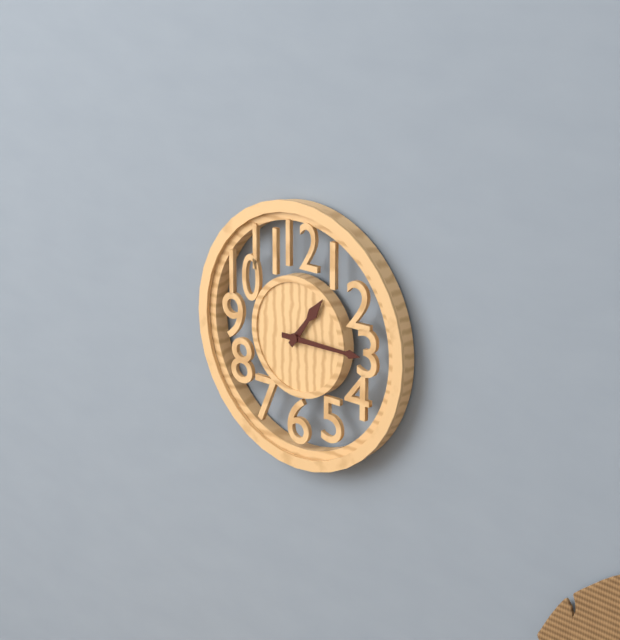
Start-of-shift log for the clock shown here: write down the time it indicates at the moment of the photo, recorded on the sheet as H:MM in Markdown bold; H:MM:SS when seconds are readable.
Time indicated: **1:15**
